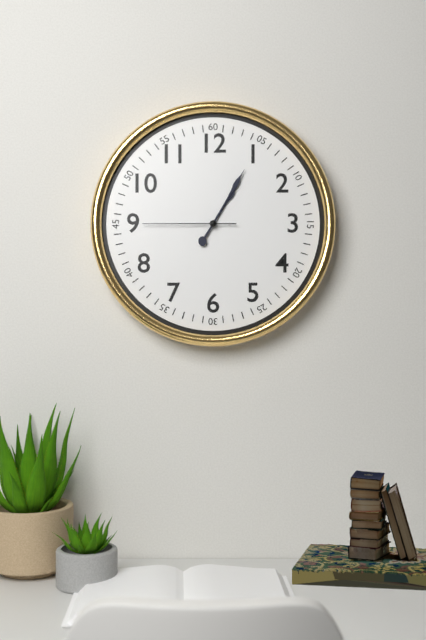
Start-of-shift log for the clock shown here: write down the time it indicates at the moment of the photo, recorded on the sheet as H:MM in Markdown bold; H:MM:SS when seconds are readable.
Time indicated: **1:05:45**
